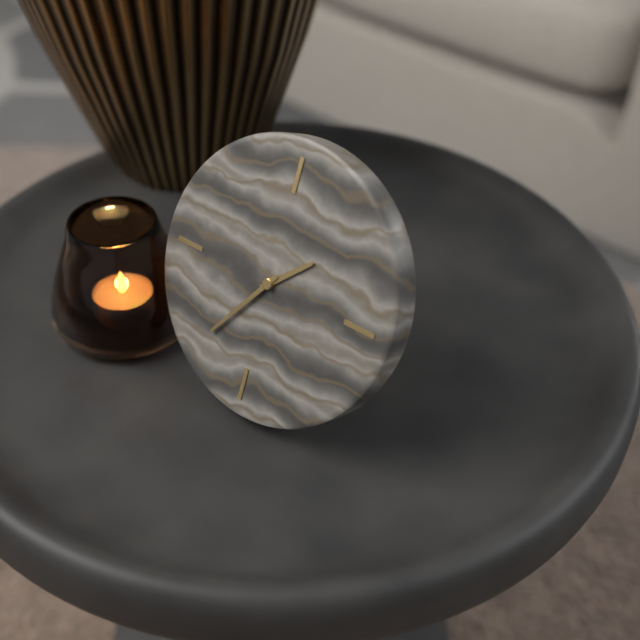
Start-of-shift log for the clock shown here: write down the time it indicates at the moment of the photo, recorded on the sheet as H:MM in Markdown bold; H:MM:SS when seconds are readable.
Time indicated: **1:36**
